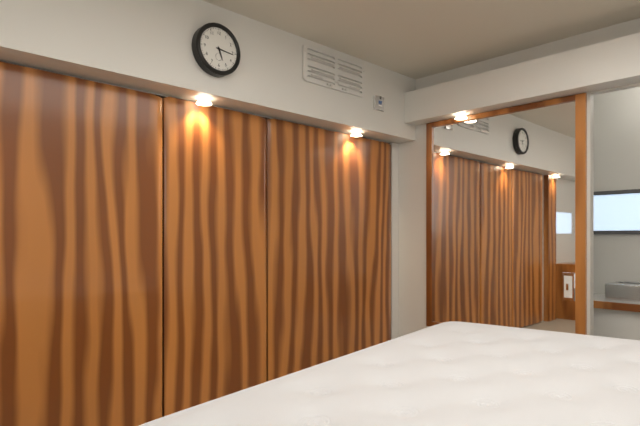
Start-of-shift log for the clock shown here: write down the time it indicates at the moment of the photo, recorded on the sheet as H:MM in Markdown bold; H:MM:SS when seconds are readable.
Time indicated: **5:16**
